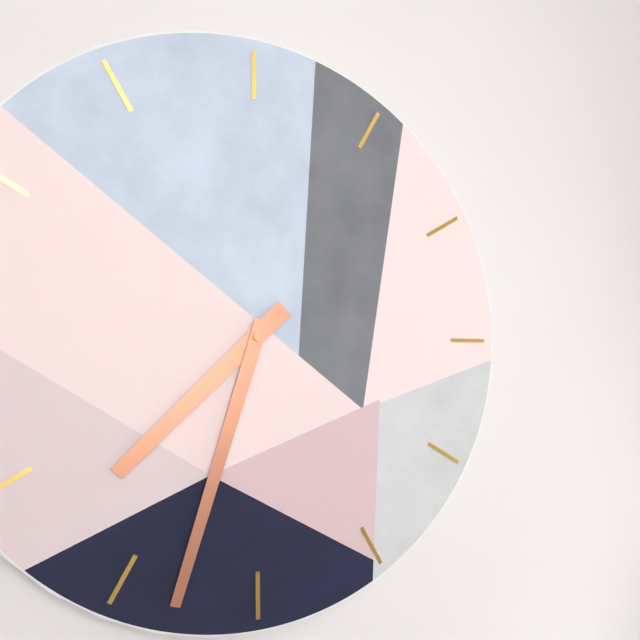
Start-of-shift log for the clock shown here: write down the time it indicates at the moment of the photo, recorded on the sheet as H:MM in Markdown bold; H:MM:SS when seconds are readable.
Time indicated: **7:33**
